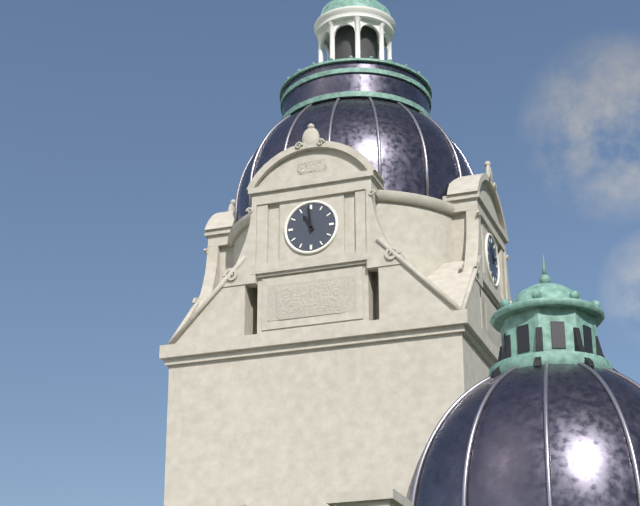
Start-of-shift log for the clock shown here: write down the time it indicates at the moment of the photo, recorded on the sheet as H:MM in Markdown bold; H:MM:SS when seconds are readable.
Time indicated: **10:59**
